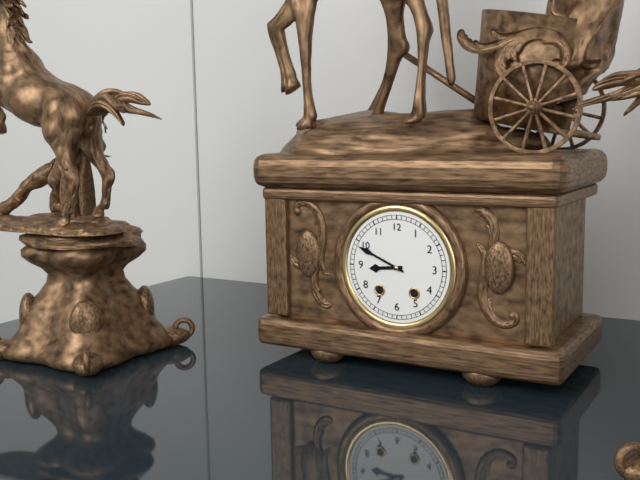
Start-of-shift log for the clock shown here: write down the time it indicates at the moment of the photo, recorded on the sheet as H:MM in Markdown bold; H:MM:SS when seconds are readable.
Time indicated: **8:49**
